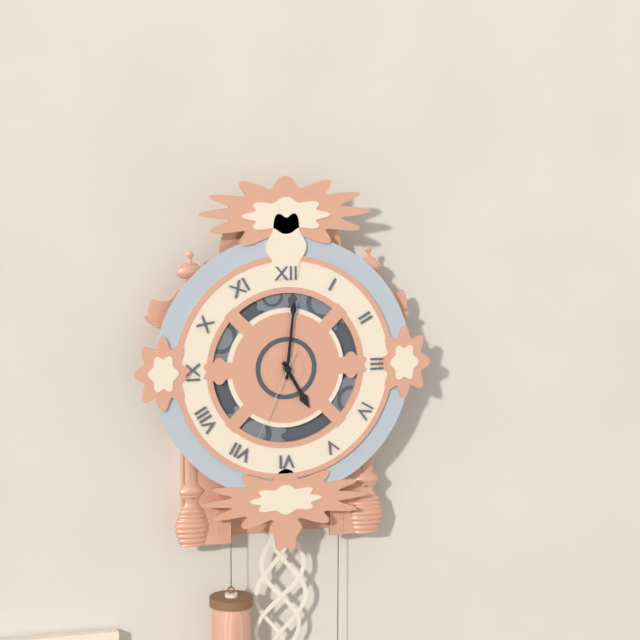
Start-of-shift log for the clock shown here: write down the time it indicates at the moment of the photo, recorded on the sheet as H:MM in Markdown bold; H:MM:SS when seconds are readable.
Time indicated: **5:01:34**
